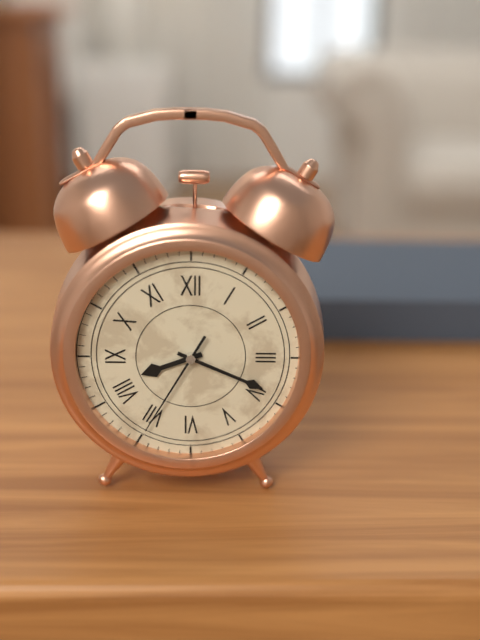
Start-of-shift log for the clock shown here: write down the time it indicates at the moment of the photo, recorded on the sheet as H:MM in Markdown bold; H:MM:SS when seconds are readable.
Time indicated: **8:19:35**
